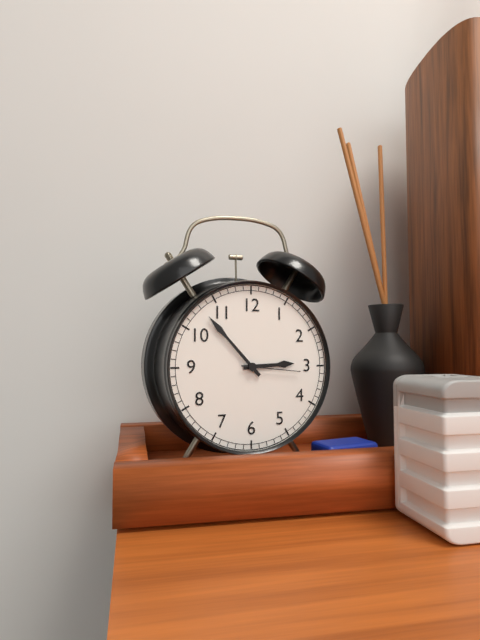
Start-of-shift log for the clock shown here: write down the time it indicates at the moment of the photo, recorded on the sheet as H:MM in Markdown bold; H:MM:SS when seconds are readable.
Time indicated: **2:53:16**
